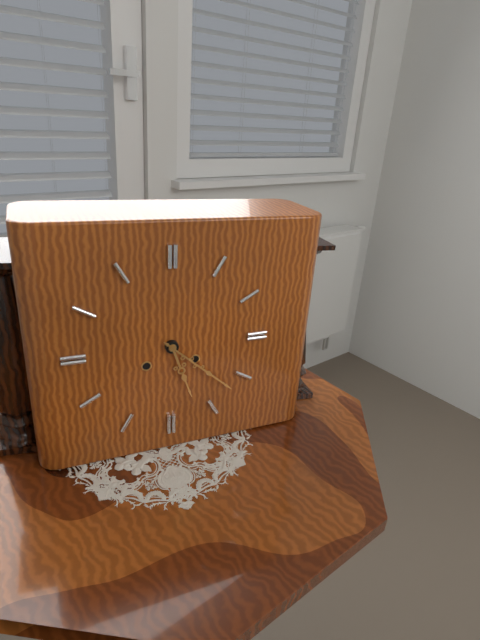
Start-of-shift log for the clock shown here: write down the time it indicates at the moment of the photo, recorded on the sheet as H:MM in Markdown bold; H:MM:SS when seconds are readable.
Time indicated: **5:22**
